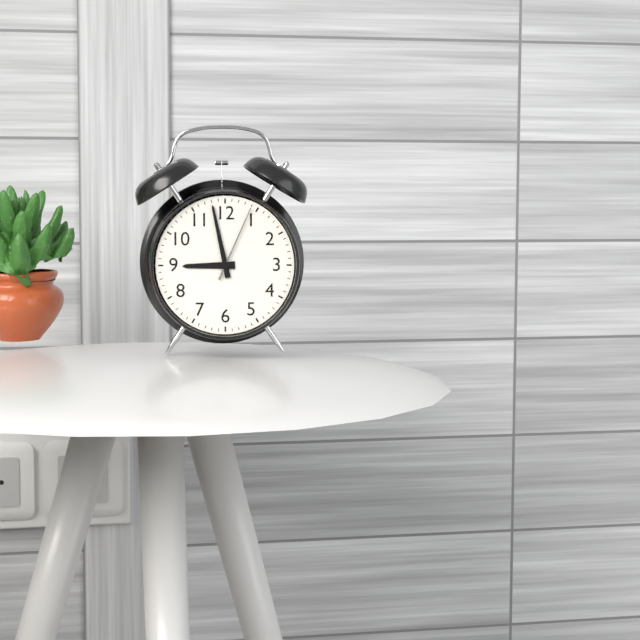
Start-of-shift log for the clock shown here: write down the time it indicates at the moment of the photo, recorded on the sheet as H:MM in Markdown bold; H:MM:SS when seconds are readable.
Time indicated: **8:58:04**
